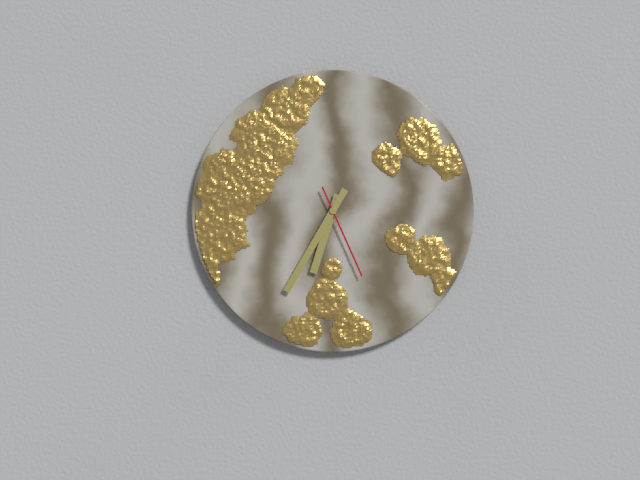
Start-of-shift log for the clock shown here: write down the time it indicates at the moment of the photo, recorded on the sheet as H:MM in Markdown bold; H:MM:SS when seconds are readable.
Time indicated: **6:35:26**
